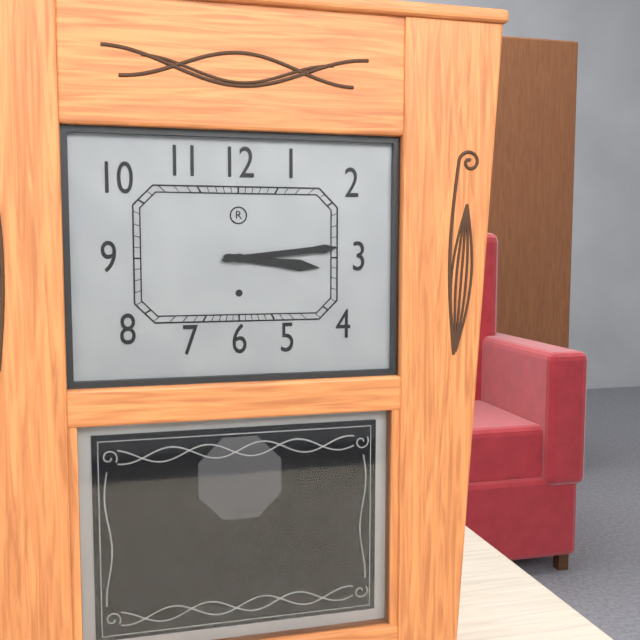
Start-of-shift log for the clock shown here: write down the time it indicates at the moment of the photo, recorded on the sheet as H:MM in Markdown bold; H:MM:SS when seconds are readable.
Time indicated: **3:14**
